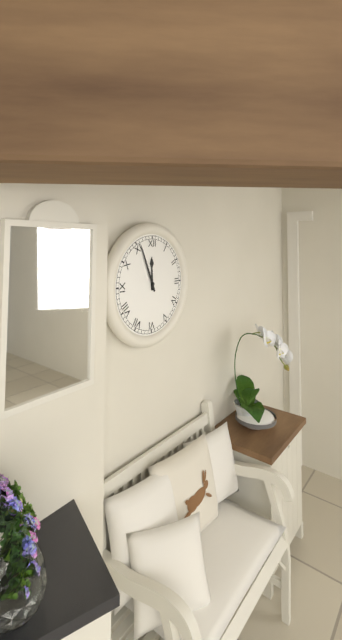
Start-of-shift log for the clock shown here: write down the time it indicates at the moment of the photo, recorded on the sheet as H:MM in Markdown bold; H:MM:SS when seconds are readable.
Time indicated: **11:56**
